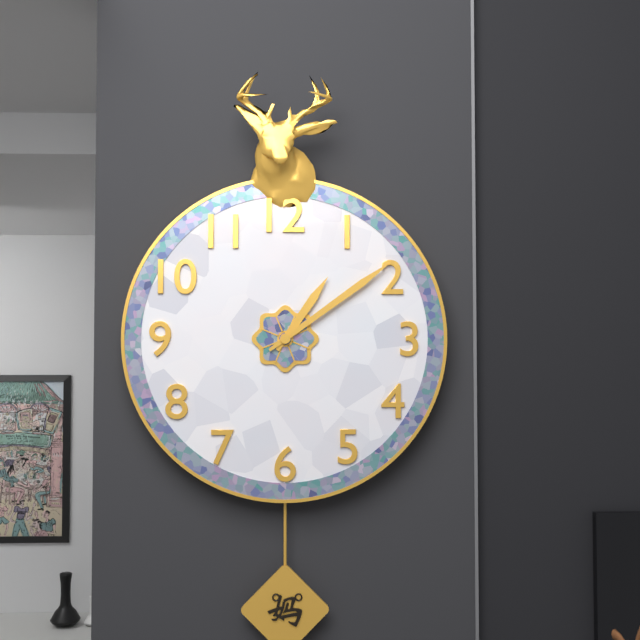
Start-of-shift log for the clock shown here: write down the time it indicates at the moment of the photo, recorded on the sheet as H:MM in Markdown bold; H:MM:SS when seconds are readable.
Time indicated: **1:09**
